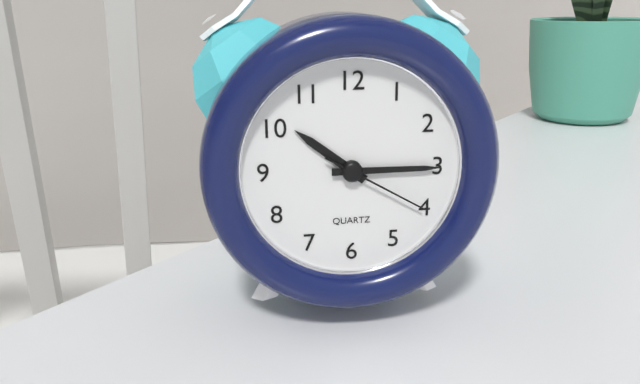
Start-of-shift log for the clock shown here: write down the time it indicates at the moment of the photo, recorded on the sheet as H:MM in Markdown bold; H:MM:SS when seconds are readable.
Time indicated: **10:15:20**
